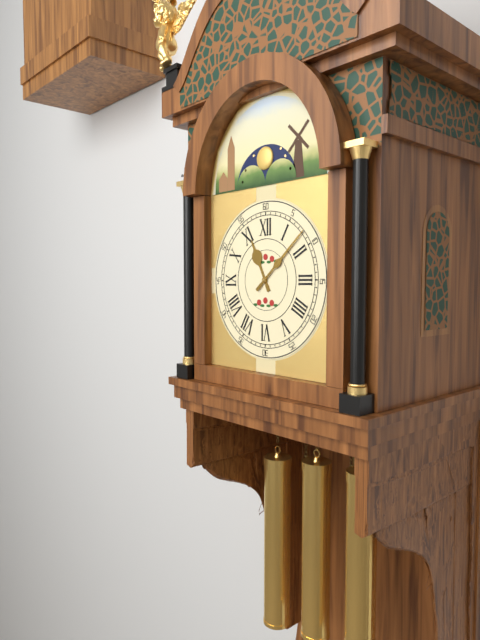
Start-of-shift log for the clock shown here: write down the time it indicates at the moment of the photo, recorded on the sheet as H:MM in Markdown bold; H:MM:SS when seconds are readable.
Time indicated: **11:08**
